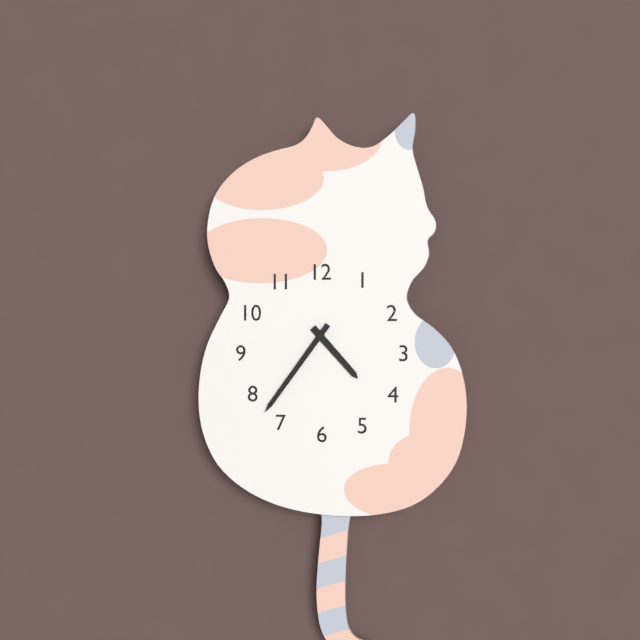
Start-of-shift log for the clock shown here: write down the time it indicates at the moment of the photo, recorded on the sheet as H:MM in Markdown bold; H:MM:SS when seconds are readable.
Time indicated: **4:36**
